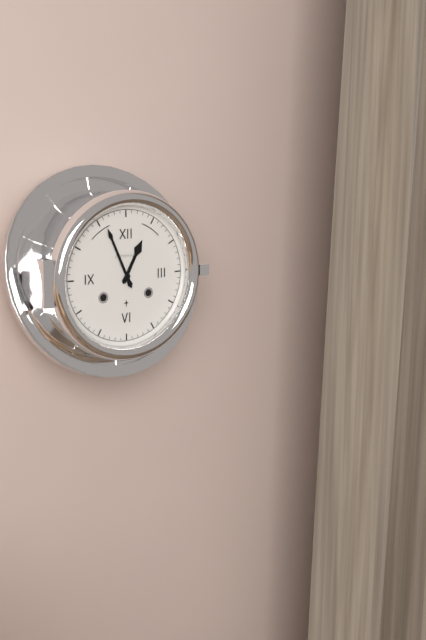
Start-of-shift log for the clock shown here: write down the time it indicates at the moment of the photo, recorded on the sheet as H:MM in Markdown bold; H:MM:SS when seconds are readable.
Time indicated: **12:56**
